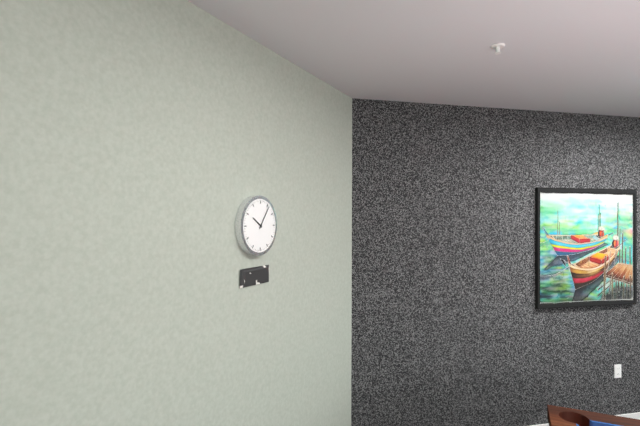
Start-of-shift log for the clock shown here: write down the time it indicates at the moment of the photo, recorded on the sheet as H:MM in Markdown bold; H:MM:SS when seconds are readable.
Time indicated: **10:06**
